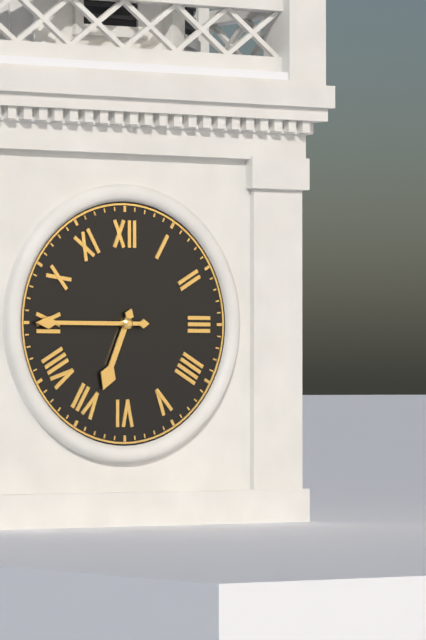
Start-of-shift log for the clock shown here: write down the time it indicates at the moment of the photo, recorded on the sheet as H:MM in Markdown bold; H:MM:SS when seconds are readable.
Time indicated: **6:45**
